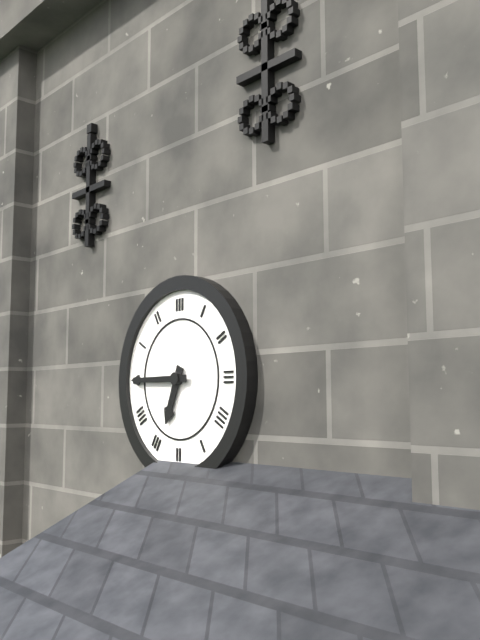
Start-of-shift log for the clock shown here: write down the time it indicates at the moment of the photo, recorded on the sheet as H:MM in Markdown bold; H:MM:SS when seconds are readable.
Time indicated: **6:45**
